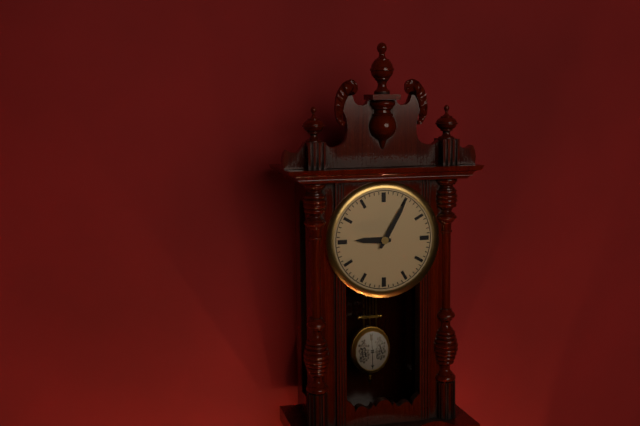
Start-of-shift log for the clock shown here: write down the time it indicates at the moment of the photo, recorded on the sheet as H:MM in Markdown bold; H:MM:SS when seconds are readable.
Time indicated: **9:05**
